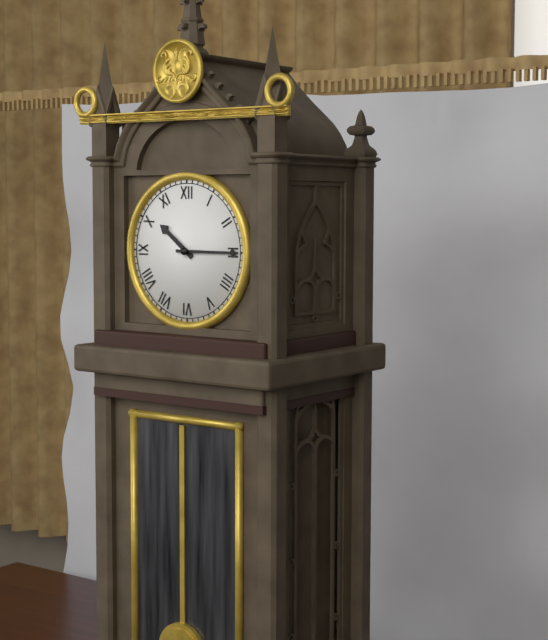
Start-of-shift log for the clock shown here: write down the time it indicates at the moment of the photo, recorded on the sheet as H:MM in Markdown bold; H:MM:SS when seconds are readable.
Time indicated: **10:15**
